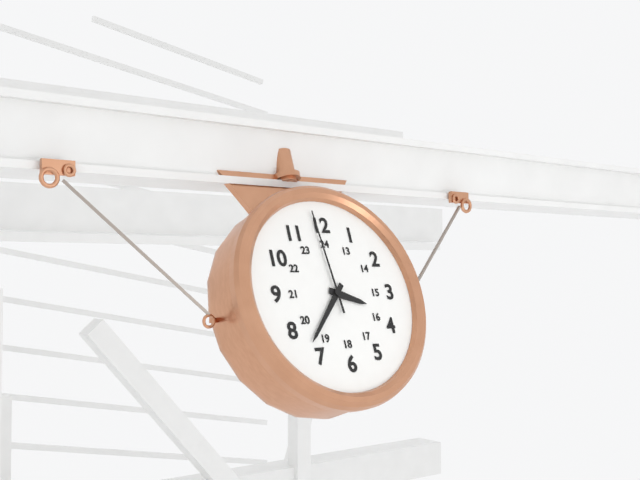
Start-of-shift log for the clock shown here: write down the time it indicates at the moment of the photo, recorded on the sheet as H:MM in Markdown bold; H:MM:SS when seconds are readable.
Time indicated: **3:37:59**
